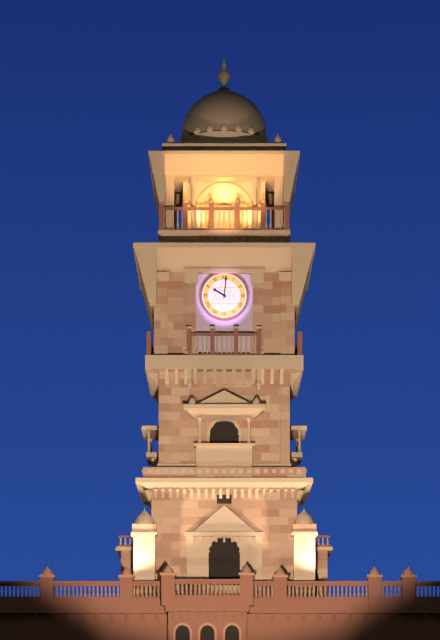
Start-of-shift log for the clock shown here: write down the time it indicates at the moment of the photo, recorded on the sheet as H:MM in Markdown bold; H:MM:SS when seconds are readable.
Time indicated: **10:01**
